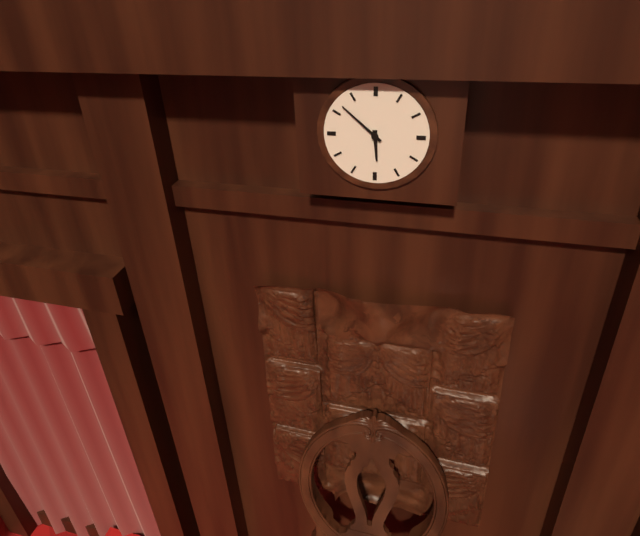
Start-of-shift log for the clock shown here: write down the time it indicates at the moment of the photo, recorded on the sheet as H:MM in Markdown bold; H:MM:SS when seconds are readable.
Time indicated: **5:52**
